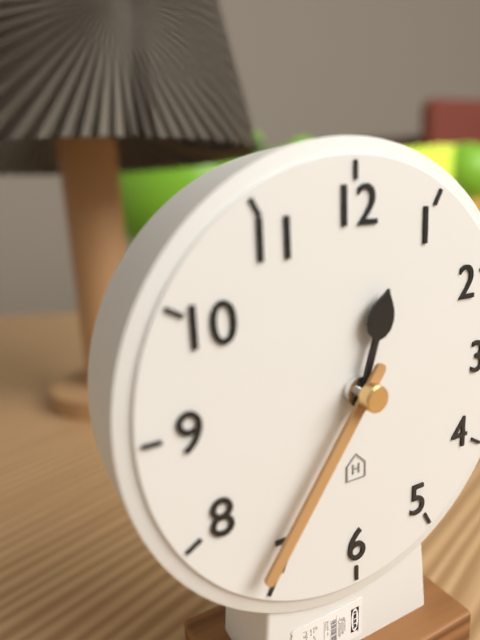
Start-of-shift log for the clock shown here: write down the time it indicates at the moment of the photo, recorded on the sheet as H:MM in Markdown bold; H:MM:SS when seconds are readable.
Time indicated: **12:36**
